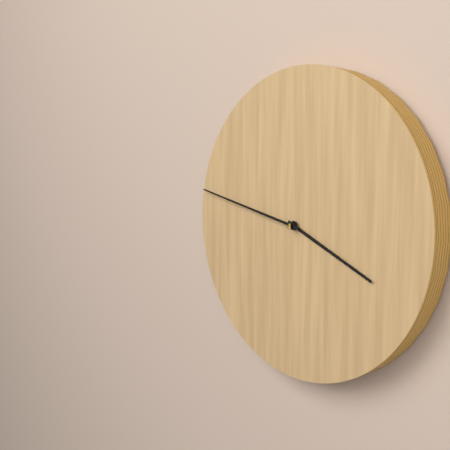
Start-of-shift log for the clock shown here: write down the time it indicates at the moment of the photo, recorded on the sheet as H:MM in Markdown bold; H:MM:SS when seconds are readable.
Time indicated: **3:47**
